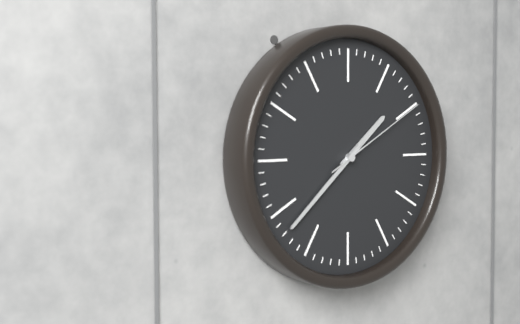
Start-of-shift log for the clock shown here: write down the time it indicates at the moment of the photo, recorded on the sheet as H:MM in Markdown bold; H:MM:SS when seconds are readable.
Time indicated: **1:38:10**
